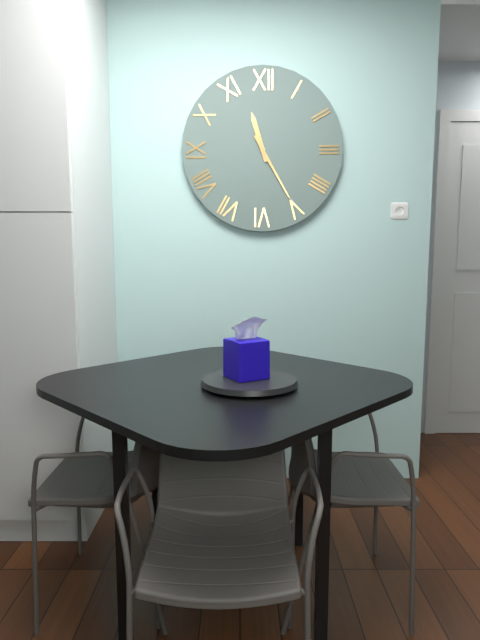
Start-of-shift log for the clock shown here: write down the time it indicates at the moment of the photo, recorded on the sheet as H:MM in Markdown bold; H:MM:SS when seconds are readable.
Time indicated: **11:25**
